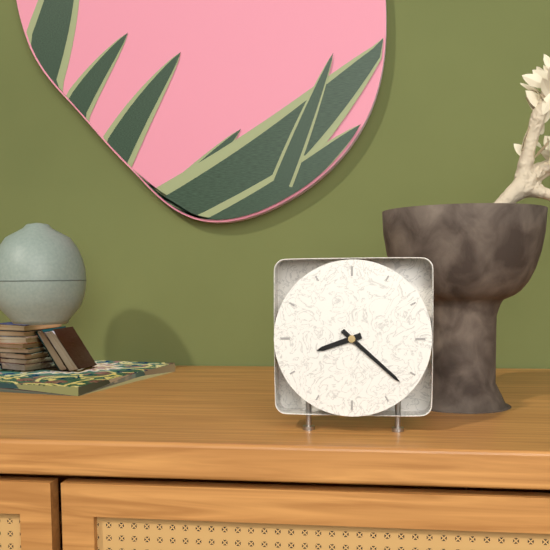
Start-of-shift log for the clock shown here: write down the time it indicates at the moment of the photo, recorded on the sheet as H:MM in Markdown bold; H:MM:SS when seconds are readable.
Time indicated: **8:22**
